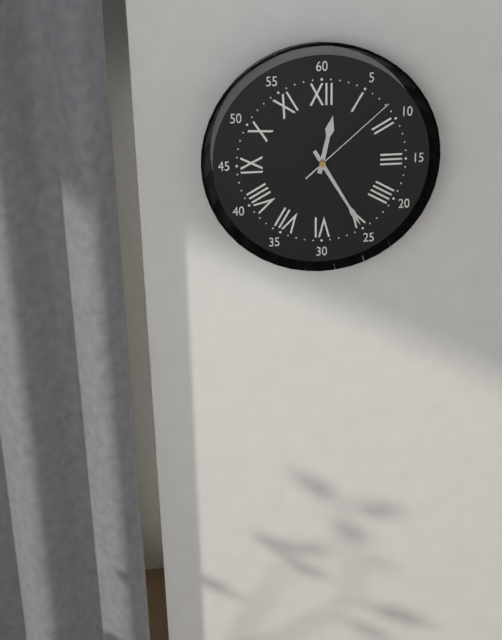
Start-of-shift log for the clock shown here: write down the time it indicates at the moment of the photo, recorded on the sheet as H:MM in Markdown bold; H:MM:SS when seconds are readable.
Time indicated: **12:25:08**
